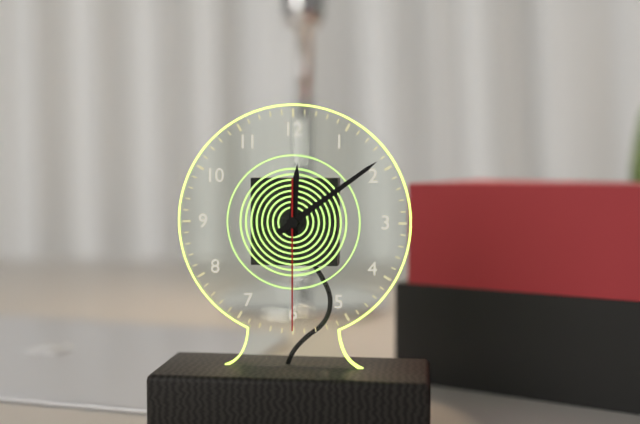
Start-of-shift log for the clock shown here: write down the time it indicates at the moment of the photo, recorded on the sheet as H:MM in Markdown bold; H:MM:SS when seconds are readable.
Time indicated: **12:09:30**
